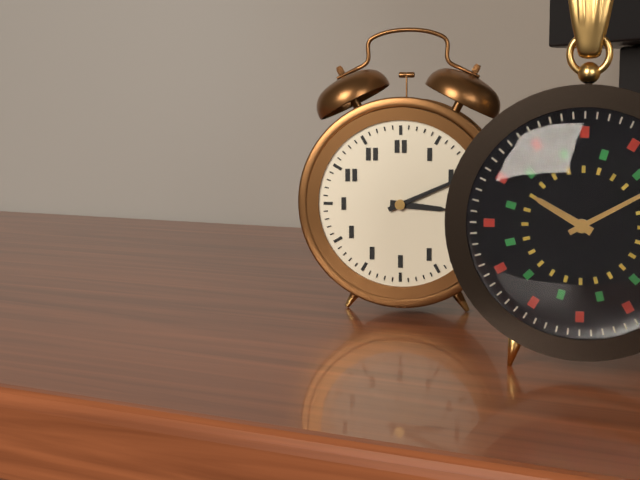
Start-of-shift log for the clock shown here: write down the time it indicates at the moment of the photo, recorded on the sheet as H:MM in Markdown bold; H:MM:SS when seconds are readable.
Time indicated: **3:11**
